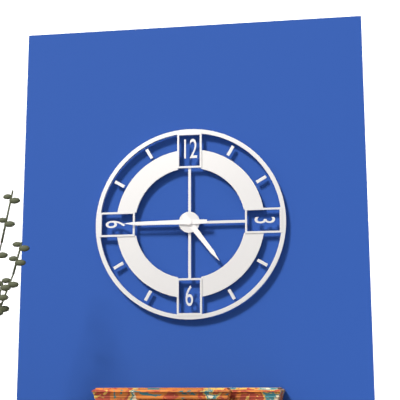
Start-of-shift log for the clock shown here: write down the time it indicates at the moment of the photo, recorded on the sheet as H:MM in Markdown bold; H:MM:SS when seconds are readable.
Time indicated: **4:45**
